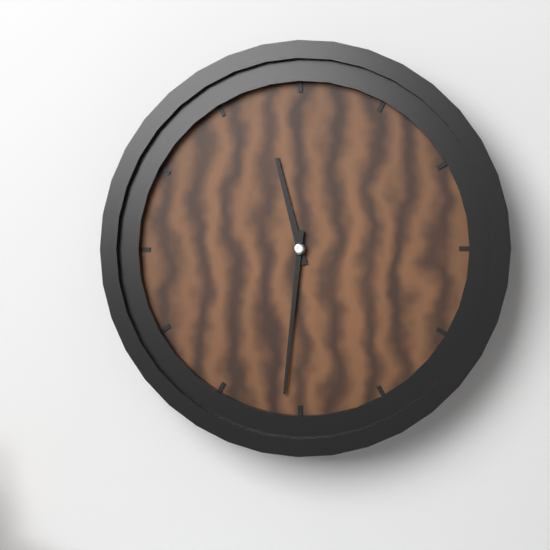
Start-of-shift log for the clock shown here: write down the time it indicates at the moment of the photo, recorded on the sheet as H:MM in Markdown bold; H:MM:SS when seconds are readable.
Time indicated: **11:31**
